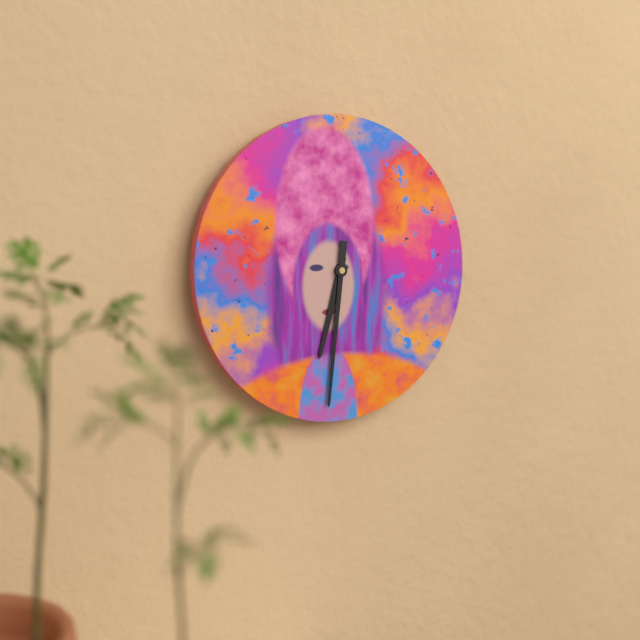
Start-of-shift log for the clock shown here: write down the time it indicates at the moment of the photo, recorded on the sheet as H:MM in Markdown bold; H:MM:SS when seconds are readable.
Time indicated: **6:31**
